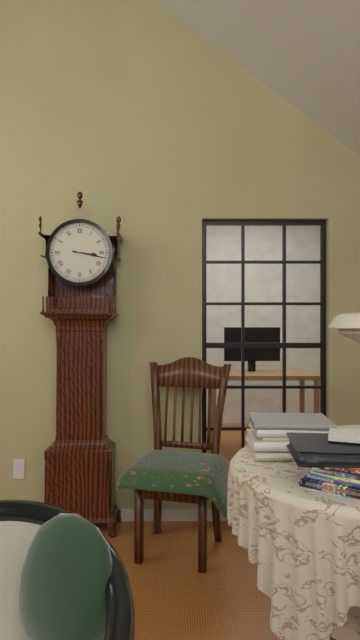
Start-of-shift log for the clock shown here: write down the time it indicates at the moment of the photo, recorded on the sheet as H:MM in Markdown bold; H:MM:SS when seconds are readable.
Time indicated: **3:17**
